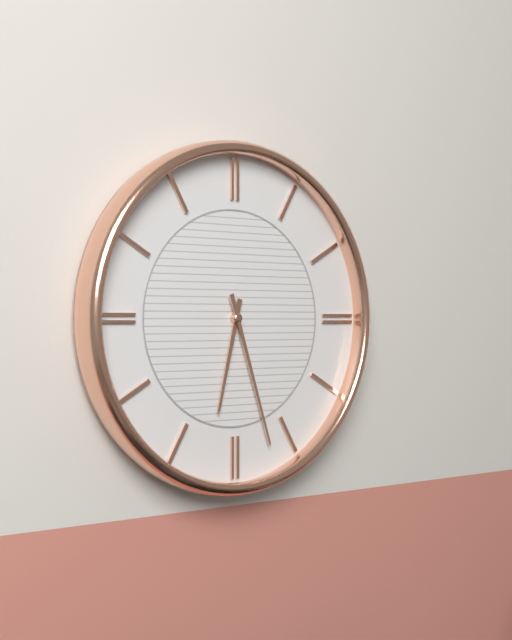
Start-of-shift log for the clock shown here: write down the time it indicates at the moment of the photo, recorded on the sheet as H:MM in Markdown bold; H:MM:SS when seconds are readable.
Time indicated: **6:27**
